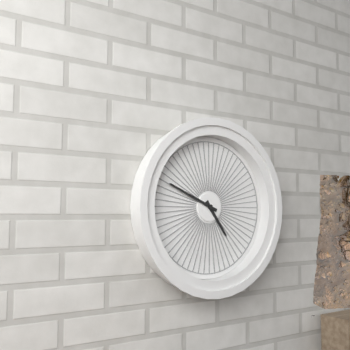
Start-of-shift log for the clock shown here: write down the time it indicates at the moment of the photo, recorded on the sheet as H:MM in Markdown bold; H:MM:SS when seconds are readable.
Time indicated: **4:49**
